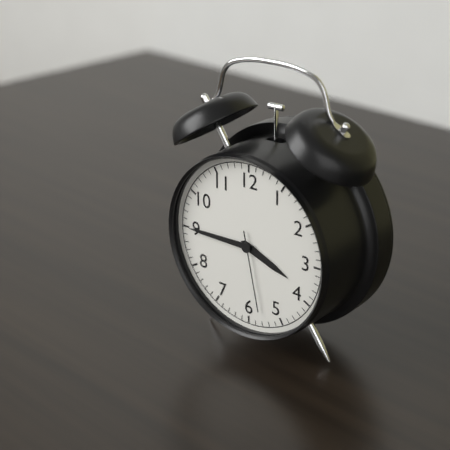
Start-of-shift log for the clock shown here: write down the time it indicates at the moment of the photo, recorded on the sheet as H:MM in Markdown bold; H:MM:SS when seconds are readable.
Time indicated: **3:45:28**
